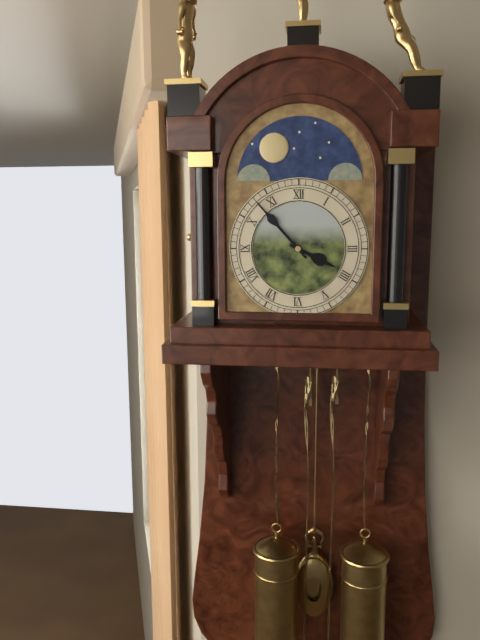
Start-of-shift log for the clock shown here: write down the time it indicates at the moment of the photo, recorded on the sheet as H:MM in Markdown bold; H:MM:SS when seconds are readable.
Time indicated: **3:53**
